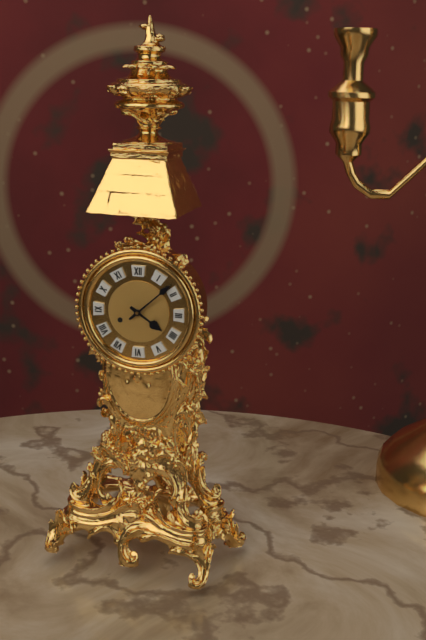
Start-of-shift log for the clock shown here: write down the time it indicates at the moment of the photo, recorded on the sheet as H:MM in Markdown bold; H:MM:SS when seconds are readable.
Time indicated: **4:08**
